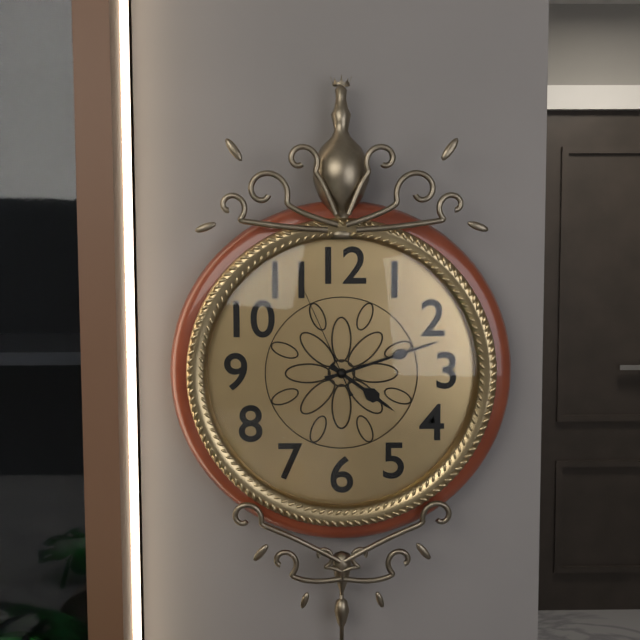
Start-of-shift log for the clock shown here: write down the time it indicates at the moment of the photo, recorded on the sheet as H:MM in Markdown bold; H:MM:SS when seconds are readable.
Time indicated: **4:12:56**
